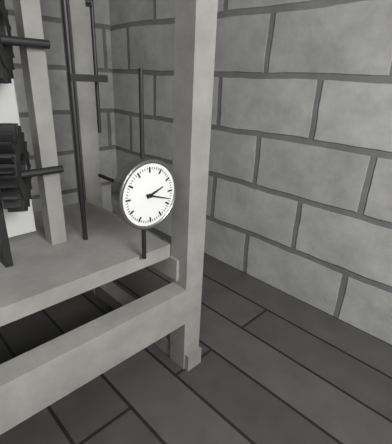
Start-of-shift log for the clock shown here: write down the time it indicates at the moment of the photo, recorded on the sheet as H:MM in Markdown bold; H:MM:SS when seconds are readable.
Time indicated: **2:18**
